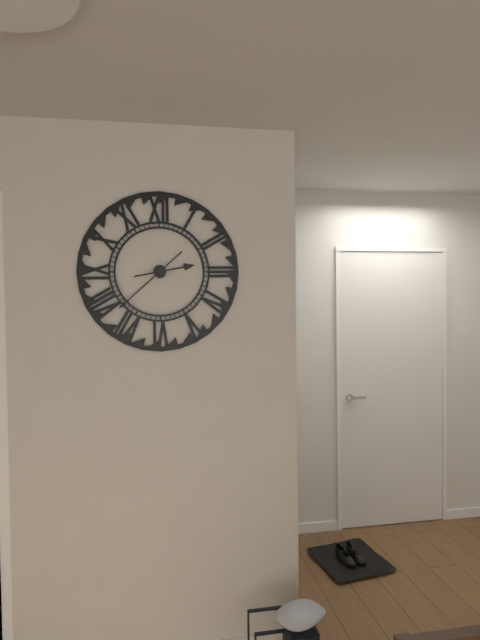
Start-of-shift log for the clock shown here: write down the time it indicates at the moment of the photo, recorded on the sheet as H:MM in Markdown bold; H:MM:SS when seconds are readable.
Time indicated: **2:38**
